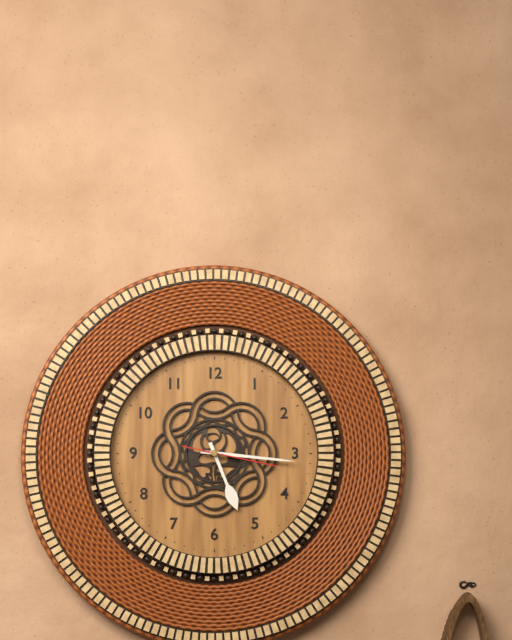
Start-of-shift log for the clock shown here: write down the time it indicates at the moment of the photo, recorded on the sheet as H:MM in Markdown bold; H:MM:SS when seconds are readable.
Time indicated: **5:16:17**
